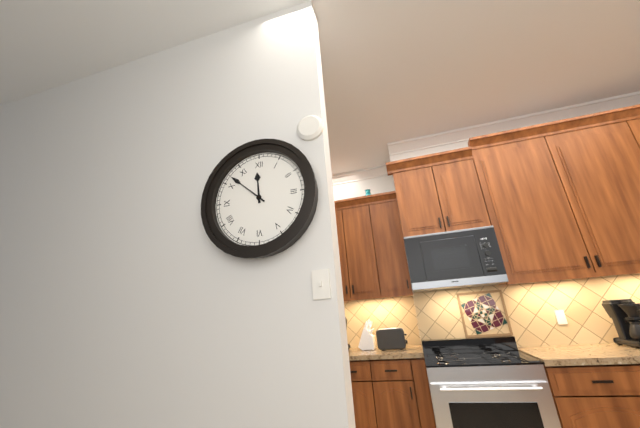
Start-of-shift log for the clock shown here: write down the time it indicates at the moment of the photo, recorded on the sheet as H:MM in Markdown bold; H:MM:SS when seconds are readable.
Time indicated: **11:52**
